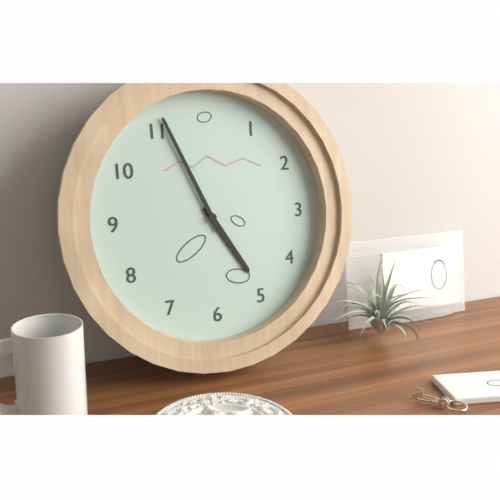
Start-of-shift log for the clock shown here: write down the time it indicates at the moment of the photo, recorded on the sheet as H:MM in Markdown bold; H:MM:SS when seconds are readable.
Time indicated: **4:56**
